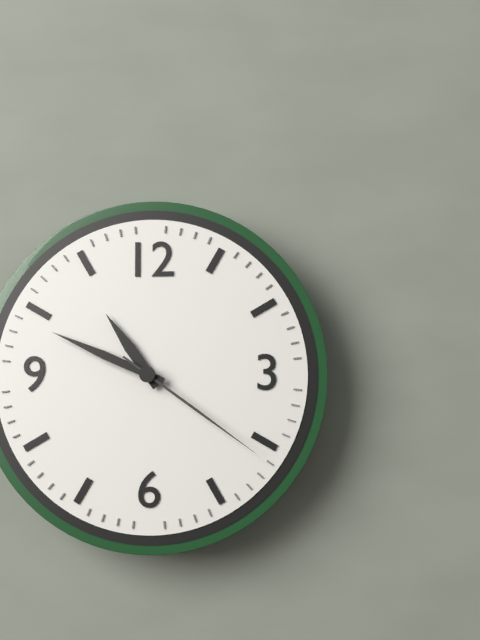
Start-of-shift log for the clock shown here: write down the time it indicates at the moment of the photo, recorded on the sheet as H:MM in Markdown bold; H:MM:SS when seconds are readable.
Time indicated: **10:49:21**
